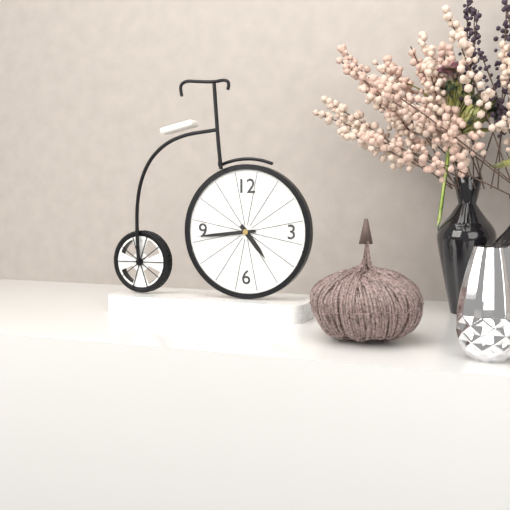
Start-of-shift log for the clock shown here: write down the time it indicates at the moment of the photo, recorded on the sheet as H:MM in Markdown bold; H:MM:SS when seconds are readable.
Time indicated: **4:44**
